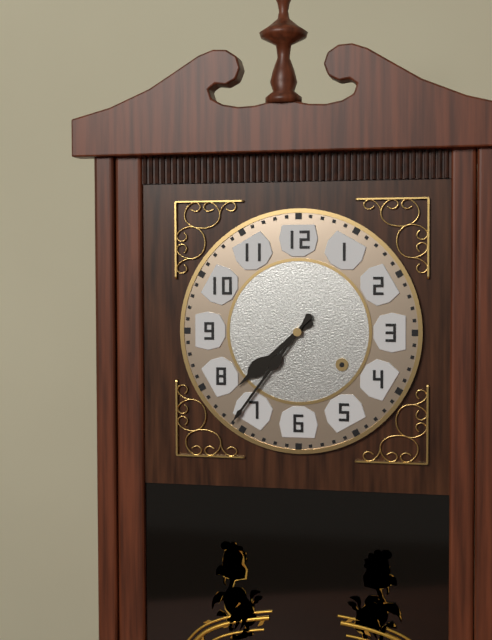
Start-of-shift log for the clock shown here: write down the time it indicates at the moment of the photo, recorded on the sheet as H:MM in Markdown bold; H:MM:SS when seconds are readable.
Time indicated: **7:36**
